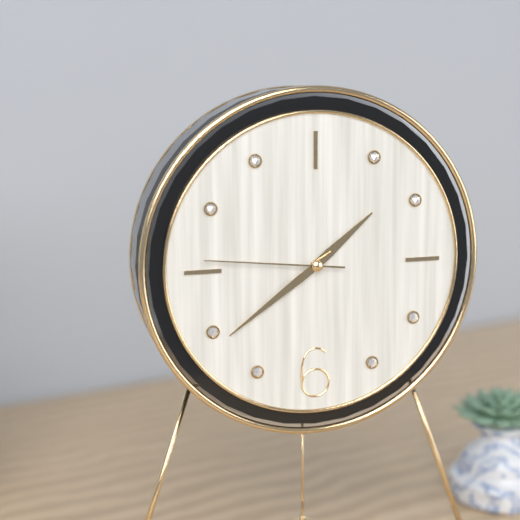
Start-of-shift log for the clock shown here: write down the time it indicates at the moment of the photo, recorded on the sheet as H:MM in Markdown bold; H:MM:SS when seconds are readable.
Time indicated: **1:39:46**
